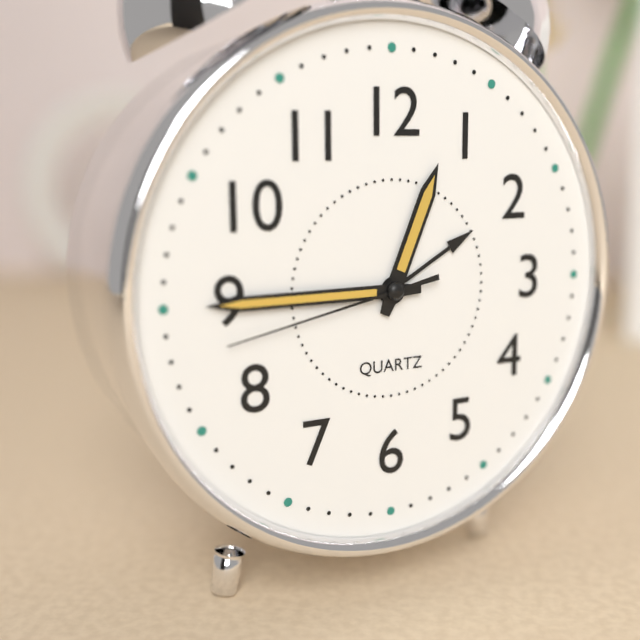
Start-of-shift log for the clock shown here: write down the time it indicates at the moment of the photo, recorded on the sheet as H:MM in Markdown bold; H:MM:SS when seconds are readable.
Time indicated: **12:45:43**
